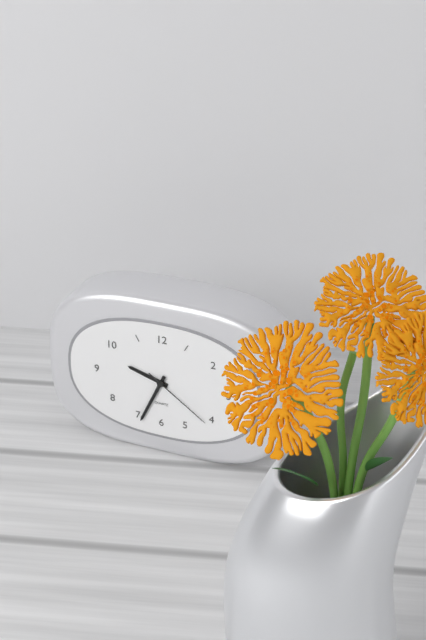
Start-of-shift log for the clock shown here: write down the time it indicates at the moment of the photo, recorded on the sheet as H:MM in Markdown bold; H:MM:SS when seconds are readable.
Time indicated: **9:34:21**
